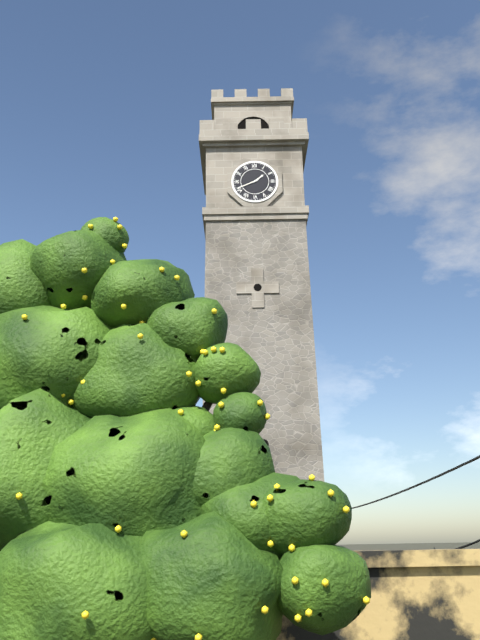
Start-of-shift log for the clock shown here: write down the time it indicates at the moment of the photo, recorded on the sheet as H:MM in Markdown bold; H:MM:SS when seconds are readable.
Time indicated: **1:41**
